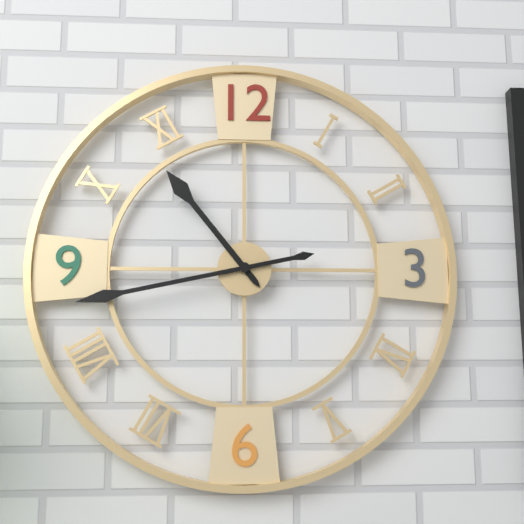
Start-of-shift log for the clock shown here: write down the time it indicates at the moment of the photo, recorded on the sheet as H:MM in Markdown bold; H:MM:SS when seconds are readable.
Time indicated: **10:43**
